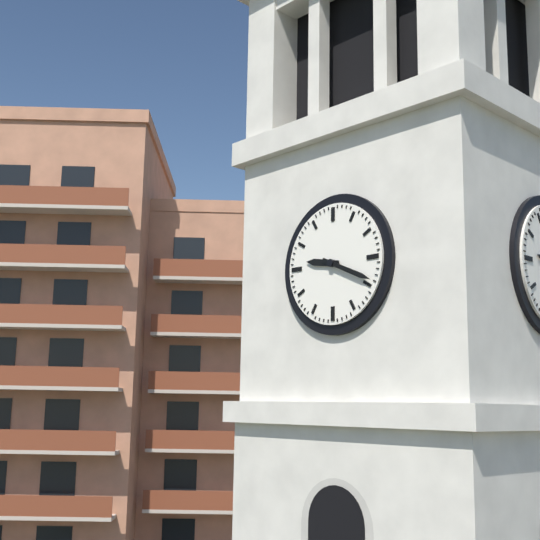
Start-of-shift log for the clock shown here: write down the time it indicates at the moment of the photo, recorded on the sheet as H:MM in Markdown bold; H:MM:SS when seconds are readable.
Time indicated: **9:19**
